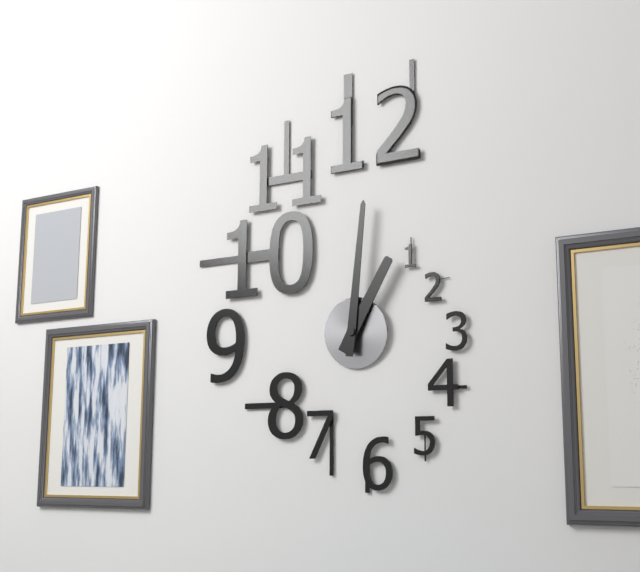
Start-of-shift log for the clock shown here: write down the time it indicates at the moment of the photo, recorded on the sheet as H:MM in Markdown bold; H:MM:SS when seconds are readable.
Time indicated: **1:01**
